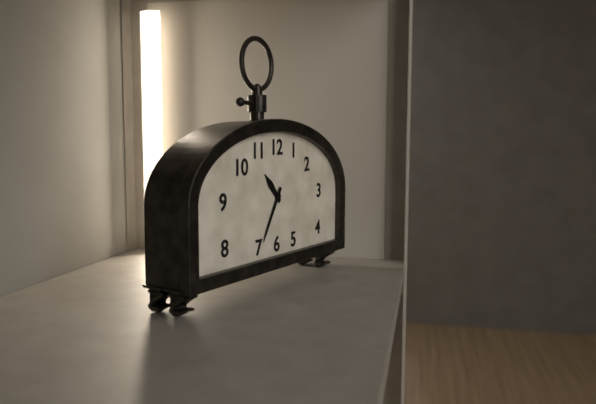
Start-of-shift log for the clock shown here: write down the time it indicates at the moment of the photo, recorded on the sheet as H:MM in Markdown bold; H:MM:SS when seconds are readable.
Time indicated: **10:35**
